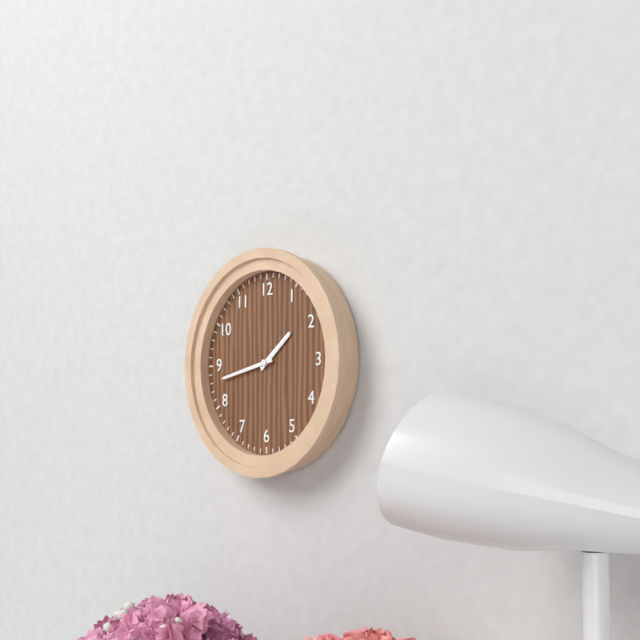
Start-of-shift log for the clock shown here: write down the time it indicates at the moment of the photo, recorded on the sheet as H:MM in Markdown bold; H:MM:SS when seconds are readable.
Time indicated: **1:43**
